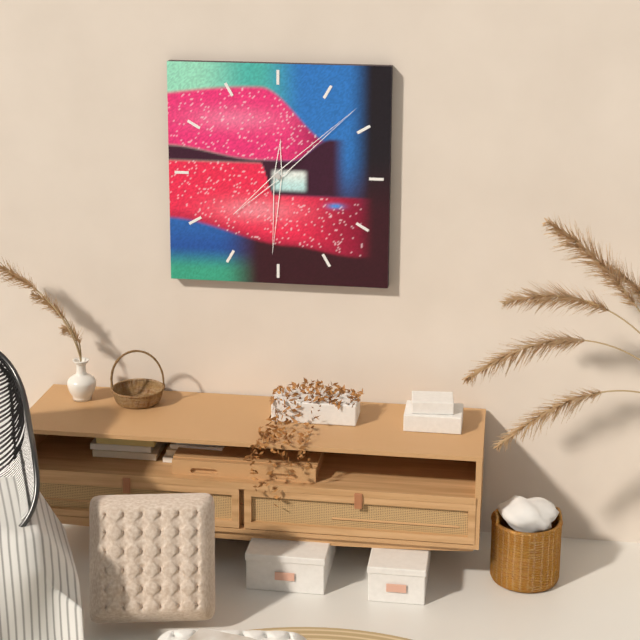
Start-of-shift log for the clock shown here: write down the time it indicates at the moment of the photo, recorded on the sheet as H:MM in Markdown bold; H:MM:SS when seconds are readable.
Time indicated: **6:08**
